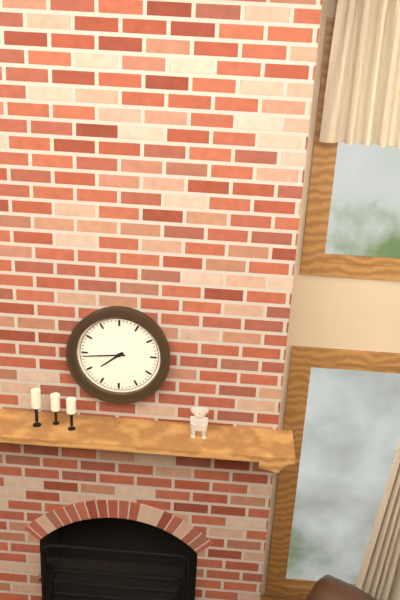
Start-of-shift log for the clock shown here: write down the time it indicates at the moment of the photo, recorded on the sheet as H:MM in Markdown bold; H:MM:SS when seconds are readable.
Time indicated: **7:44**
